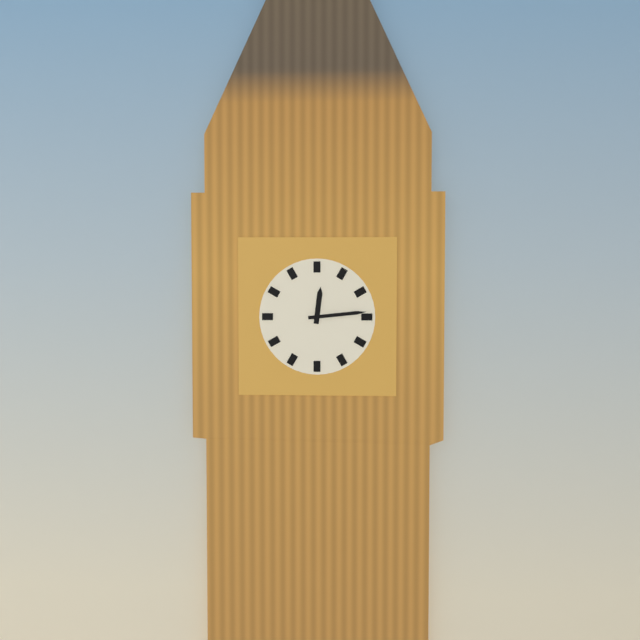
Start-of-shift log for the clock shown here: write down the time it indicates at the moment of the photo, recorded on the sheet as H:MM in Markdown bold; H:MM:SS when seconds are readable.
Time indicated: **12:14**
